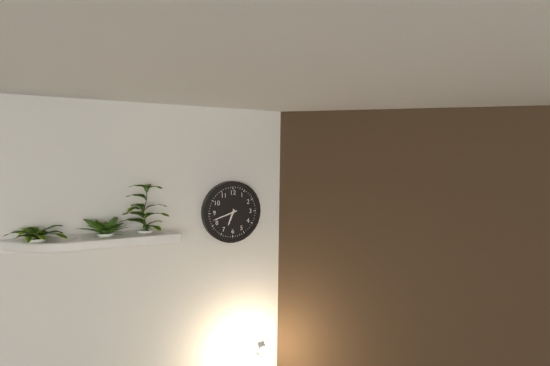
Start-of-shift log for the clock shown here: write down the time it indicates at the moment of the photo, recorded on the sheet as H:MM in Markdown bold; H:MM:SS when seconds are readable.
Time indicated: **6:42**
